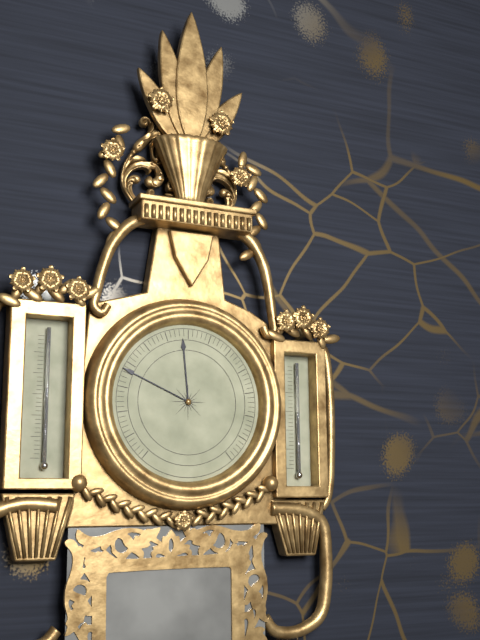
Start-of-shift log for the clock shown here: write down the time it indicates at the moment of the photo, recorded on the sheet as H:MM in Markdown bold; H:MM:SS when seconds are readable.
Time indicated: **11:49**
